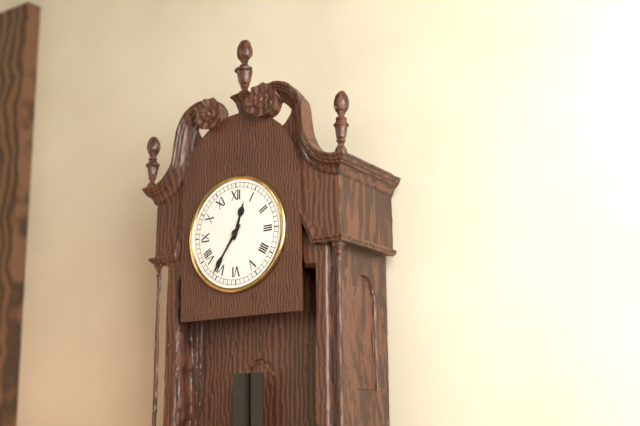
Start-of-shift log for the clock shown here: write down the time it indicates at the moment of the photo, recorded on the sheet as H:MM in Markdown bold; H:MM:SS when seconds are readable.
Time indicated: **12:36**
